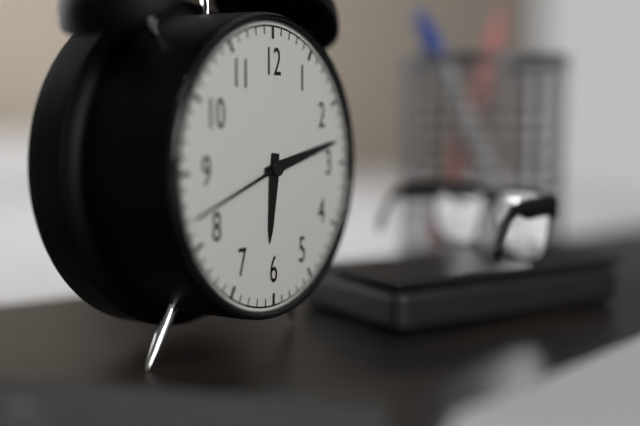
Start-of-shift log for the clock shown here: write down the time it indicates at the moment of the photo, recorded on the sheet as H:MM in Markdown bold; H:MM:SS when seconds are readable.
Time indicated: **6:13:42**
